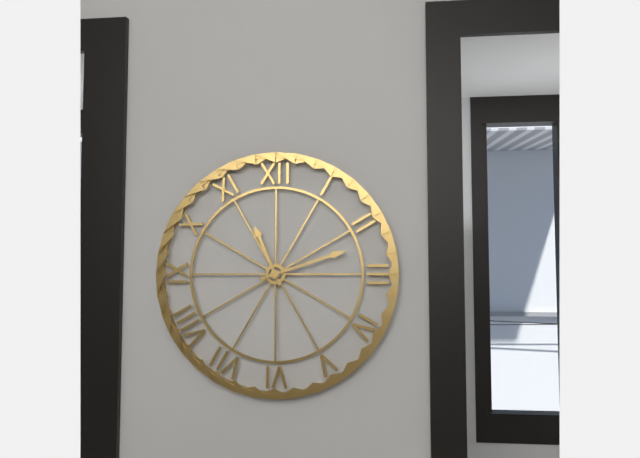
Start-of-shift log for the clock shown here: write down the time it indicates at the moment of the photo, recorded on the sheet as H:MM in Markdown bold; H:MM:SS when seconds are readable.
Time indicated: **11:12**
